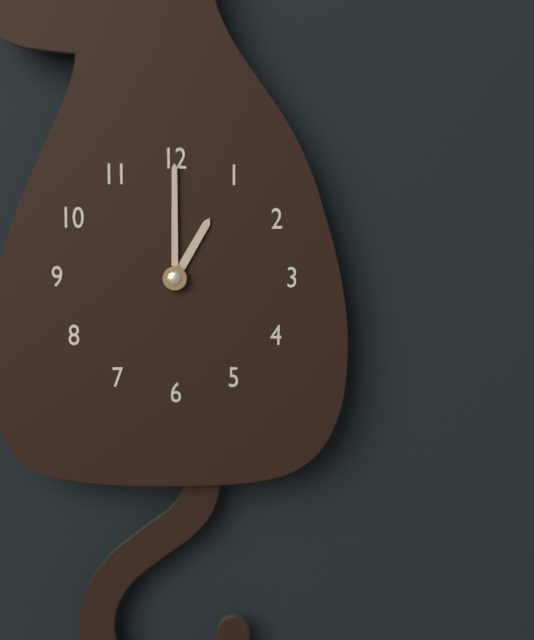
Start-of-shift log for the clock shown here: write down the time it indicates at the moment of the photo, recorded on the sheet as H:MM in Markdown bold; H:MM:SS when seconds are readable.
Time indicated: **1:00**
